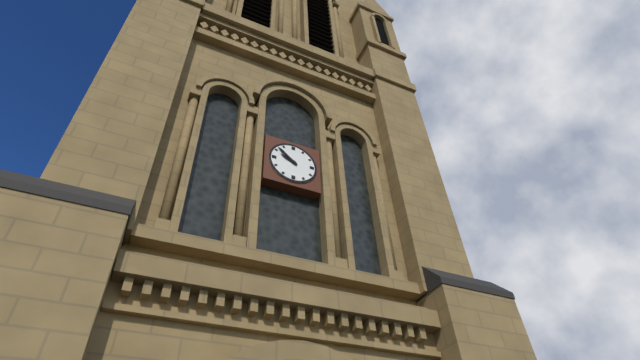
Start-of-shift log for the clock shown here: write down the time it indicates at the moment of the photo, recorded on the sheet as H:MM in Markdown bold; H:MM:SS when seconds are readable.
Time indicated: **9:52**
